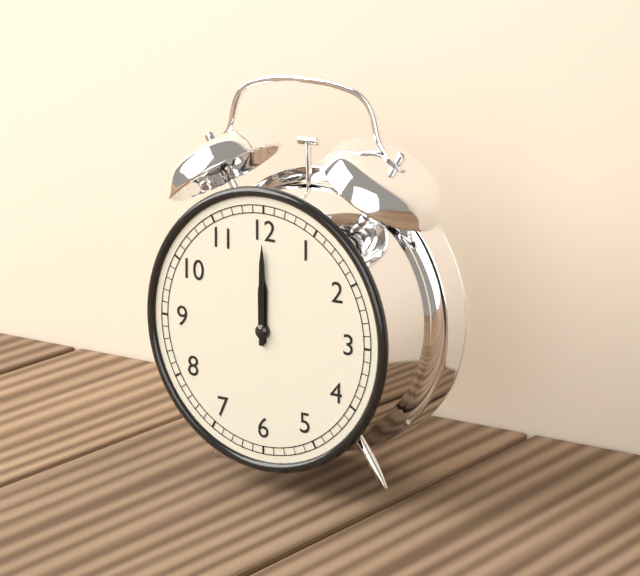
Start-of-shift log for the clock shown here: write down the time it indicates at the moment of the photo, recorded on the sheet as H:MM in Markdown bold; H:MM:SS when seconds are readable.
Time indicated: **12:00**
